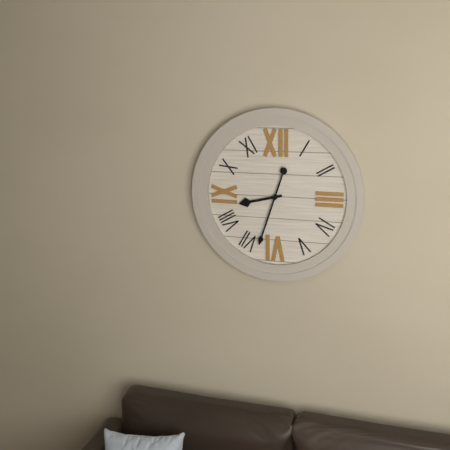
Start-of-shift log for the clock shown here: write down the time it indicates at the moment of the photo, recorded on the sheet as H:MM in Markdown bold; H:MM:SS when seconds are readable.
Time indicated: **8:33**
